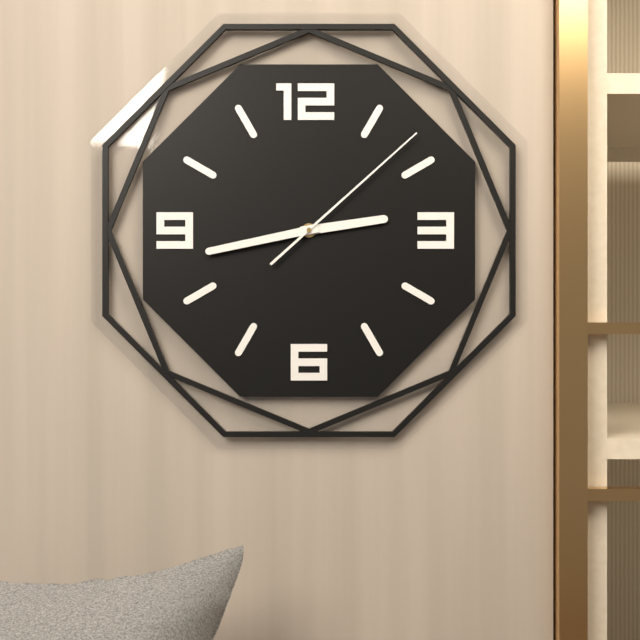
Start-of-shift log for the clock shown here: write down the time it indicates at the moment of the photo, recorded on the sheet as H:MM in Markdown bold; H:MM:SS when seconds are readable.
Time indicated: **2:43:08**
